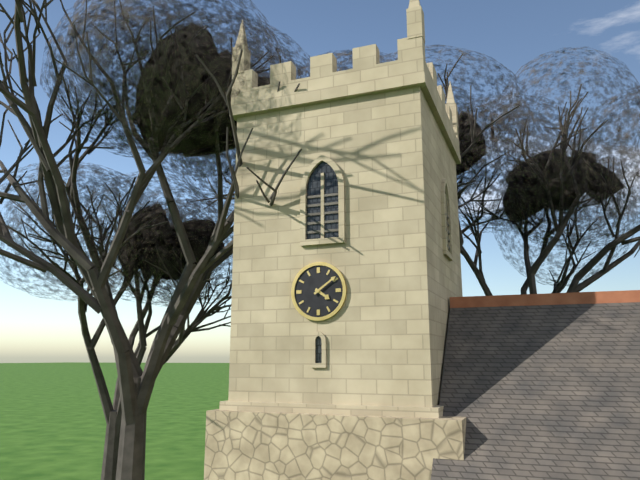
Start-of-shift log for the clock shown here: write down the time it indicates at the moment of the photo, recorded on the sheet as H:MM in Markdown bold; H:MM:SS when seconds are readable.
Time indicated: **4:09**
